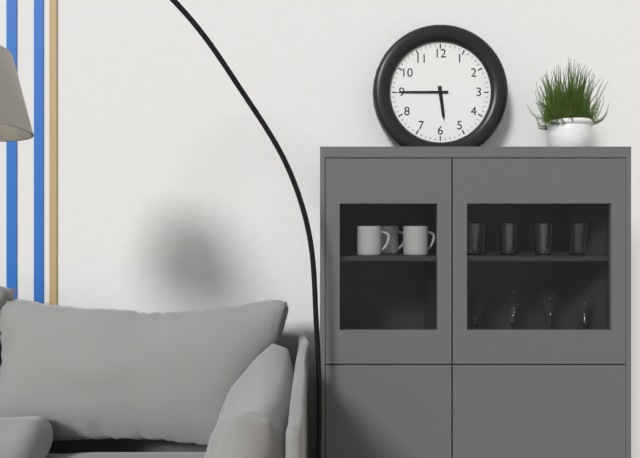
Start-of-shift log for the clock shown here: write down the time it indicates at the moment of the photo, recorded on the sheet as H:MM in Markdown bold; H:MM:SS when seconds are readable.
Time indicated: **5:45**
